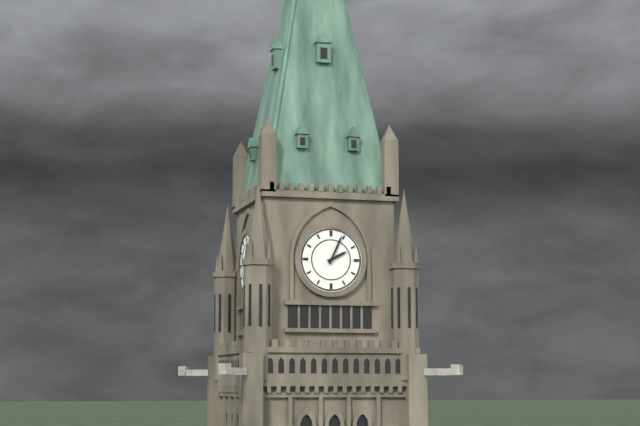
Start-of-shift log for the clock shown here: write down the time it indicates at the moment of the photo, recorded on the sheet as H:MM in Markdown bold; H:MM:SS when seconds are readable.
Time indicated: **2:04**
